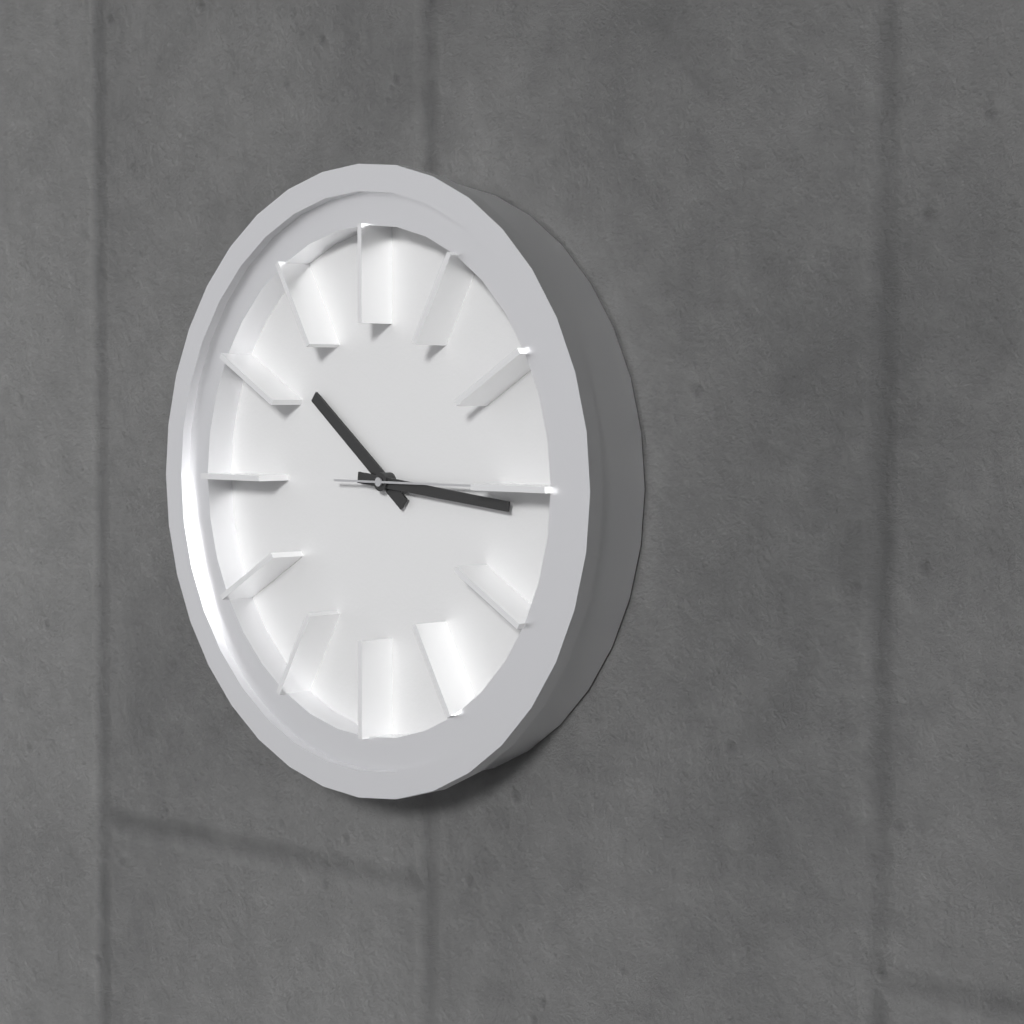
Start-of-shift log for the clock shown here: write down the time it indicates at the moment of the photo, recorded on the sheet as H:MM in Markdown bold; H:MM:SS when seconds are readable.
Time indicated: **10:16**
